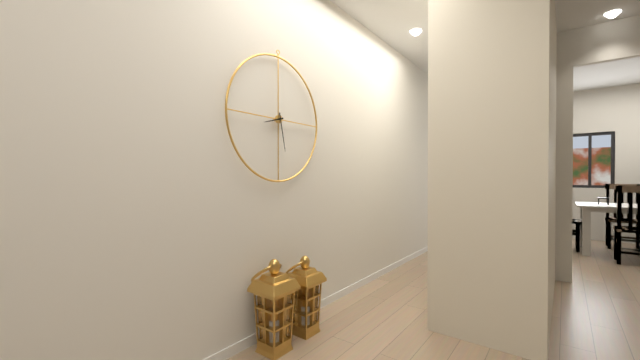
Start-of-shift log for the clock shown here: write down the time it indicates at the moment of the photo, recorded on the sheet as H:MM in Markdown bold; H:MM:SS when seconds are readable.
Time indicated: **8:28**
